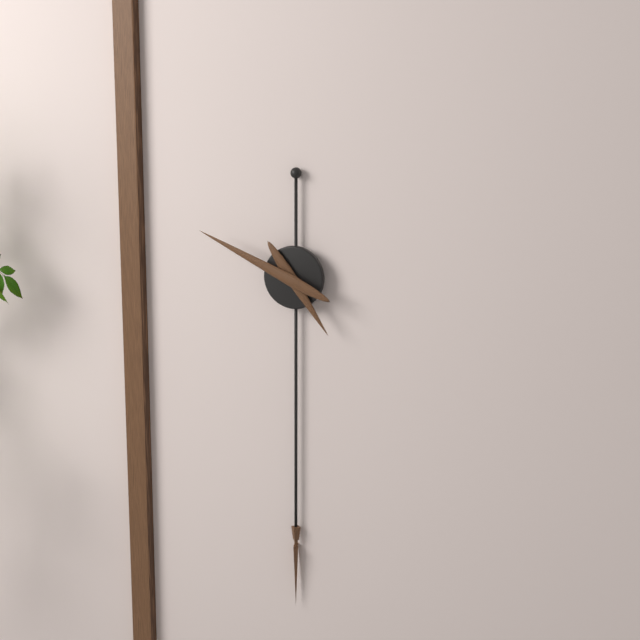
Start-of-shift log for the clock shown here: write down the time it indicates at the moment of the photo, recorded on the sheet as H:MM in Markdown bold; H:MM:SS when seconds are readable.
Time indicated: **4:49**
